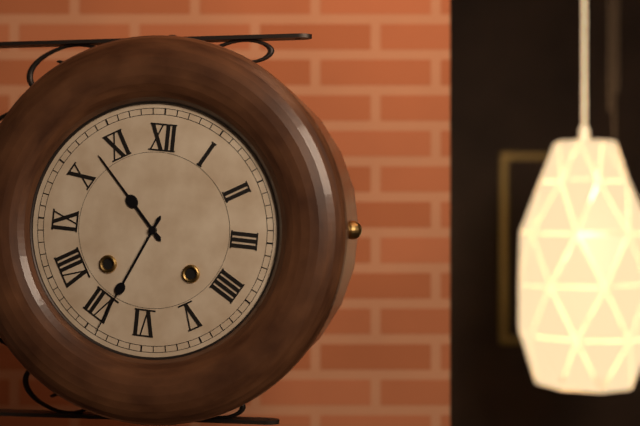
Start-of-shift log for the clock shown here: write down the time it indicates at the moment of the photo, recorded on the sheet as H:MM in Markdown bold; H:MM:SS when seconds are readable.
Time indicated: **10:34**
